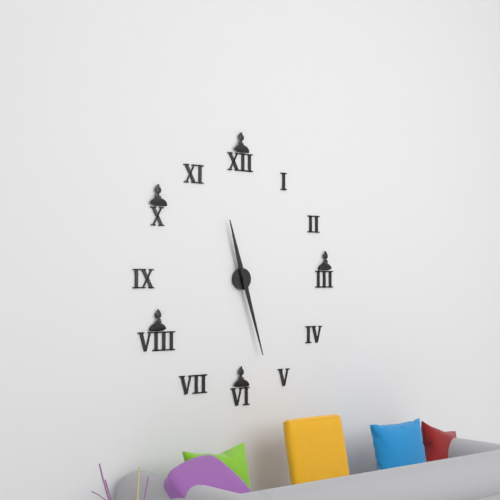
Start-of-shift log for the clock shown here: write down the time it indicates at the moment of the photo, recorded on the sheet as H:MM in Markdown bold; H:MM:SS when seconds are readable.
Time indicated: **11:27**
